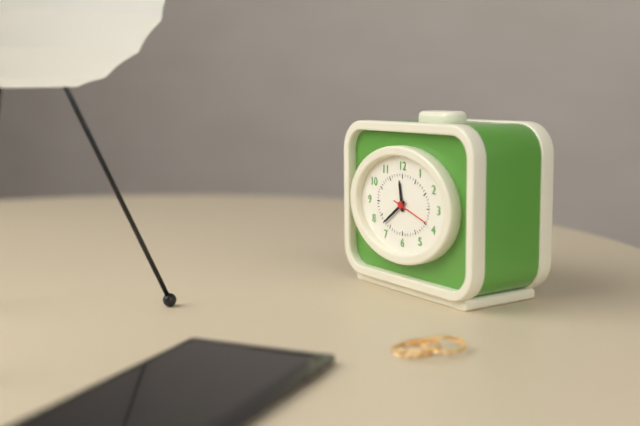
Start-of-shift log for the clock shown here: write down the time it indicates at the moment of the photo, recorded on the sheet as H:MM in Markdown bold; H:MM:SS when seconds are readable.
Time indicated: **11:39**
